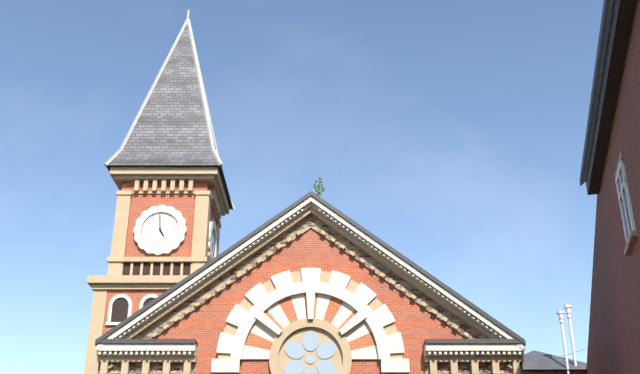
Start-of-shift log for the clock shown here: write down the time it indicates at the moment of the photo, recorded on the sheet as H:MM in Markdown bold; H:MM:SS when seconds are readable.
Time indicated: **4:59**
